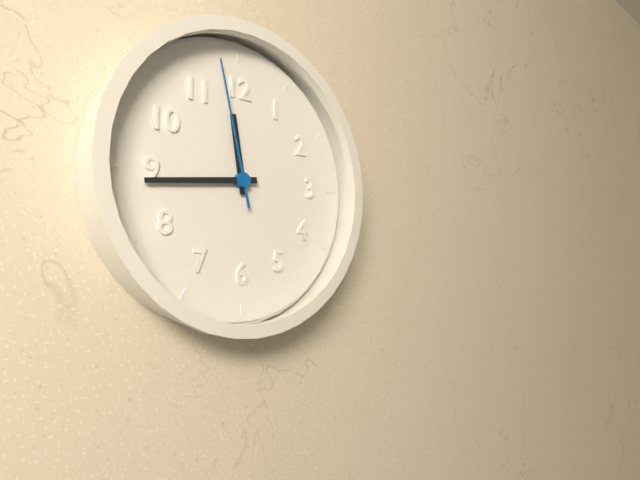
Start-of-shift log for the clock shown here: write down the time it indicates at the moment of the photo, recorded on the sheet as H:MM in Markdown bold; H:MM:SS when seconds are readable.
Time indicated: **11:44:58**
